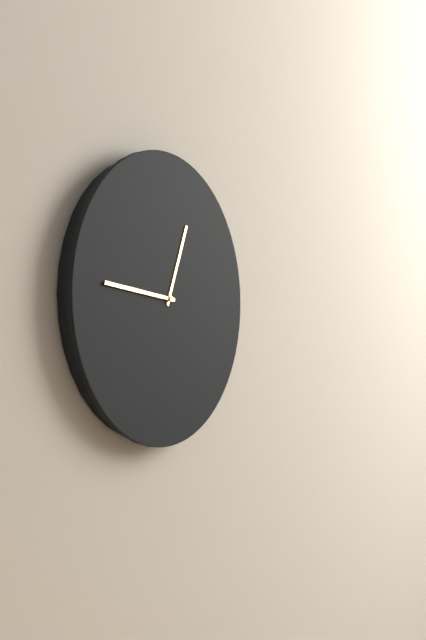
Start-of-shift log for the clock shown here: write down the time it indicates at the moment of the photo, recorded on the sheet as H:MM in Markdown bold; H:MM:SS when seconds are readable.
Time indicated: **12:46**
